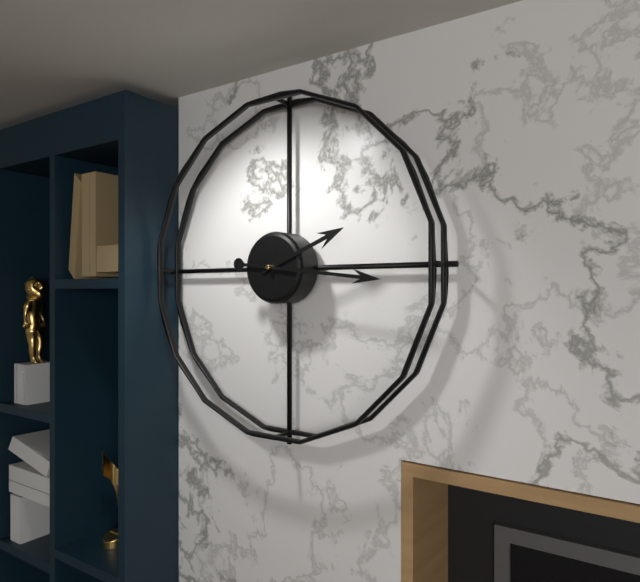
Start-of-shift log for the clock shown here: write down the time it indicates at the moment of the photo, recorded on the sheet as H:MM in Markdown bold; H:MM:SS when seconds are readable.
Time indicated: **2:16**
